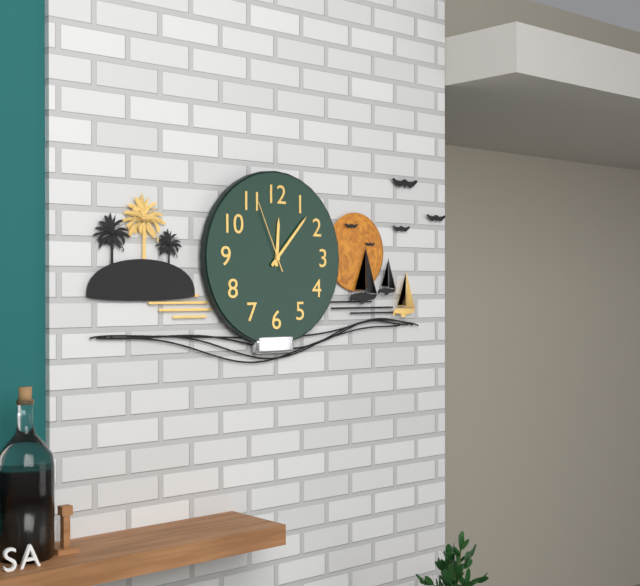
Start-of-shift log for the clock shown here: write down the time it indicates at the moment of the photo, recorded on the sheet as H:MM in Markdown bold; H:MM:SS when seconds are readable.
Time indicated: **12:07:56**
